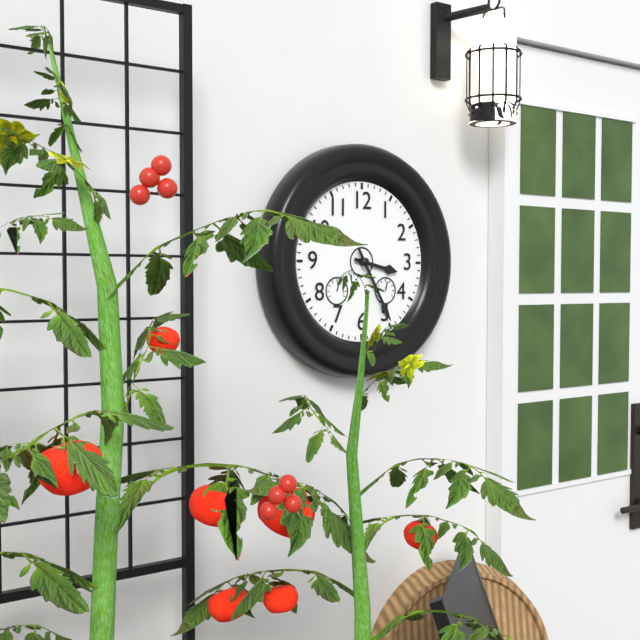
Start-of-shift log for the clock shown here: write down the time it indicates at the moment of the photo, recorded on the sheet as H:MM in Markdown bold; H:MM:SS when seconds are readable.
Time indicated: **3:25**
